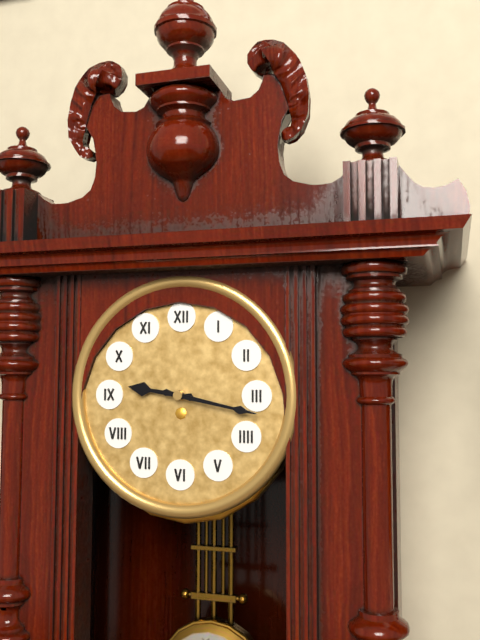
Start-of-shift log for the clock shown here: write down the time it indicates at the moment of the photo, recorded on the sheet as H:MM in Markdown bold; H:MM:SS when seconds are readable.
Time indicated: **9:17**
